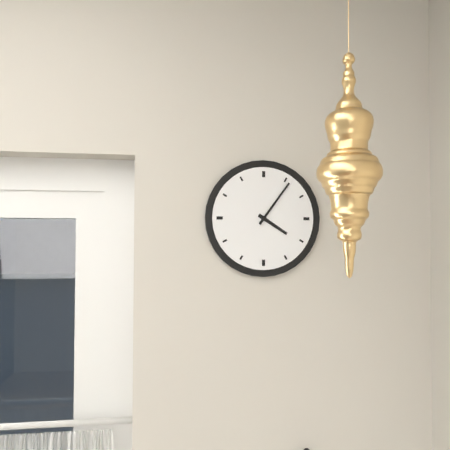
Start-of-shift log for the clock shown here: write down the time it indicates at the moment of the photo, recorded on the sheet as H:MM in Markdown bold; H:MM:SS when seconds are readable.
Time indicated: **4:06**
